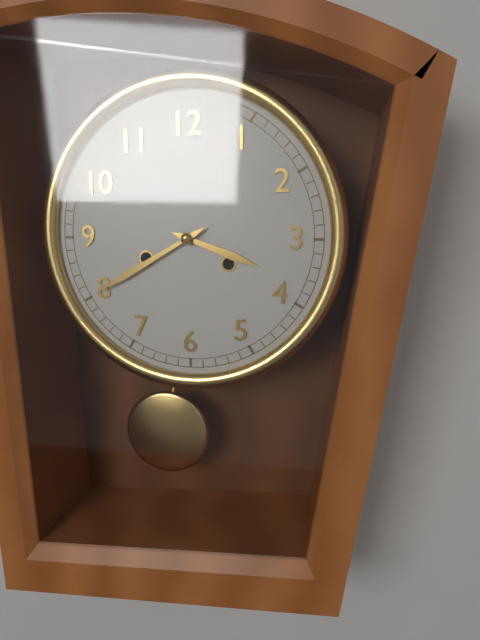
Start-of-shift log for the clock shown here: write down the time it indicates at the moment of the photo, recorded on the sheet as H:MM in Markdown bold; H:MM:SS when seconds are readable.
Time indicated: **3:40**
